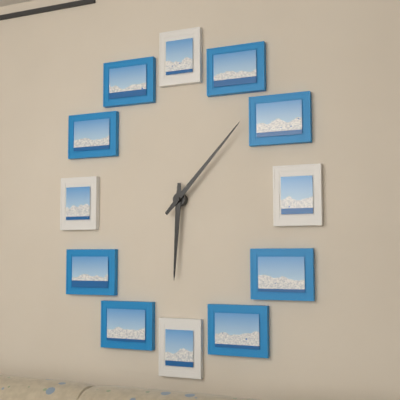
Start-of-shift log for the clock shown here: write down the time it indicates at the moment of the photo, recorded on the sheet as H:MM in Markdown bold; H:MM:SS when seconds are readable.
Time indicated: **6:07**
